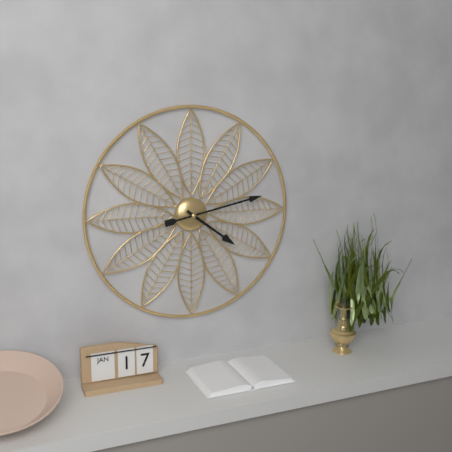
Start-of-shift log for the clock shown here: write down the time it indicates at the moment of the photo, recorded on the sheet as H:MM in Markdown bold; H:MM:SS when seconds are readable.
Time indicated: **4:13**
